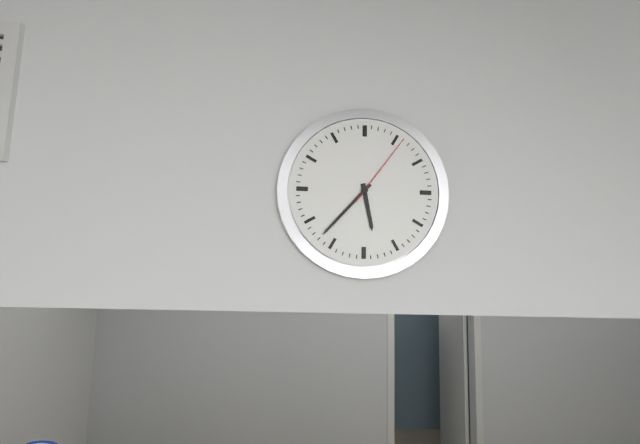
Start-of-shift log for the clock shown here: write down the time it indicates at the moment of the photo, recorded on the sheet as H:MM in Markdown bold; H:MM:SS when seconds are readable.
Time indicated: **5:37:06**
